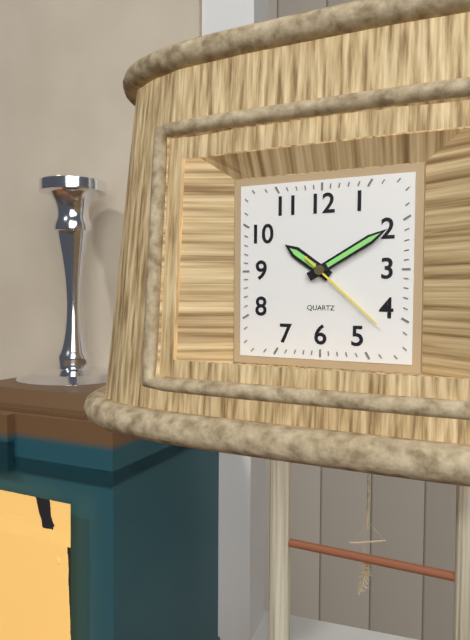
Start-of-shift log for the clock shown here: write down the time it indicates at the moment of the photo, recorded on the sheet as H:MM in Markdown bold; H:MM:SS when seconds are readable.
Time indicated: **10:10:22**
